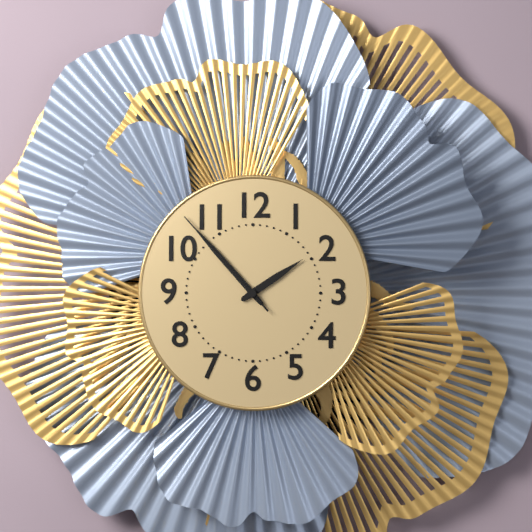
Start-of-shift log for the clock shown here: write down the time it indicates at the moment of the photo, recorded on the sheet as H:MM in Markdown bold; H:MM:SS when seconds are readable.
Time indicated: **1:53:53**
